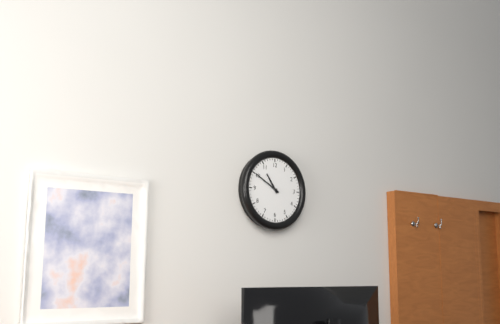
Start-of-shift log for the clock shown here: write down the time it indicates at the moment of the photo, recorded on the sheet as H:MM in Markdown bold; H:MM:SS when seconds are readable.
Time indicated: **10:50**
